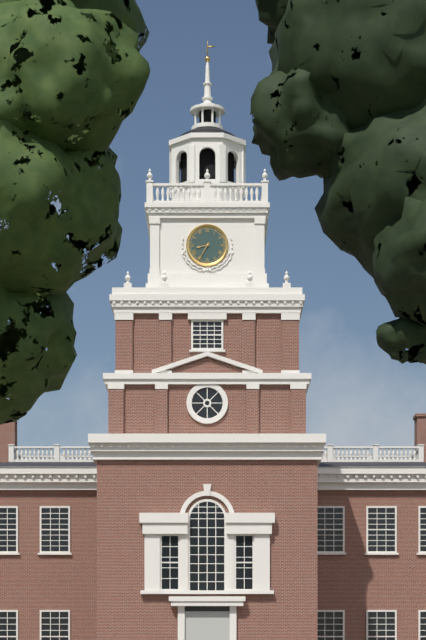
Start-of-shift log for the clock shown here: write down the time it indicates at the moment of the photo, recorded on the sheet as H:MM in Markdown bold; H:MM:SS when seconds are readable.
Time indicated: **8:35**
